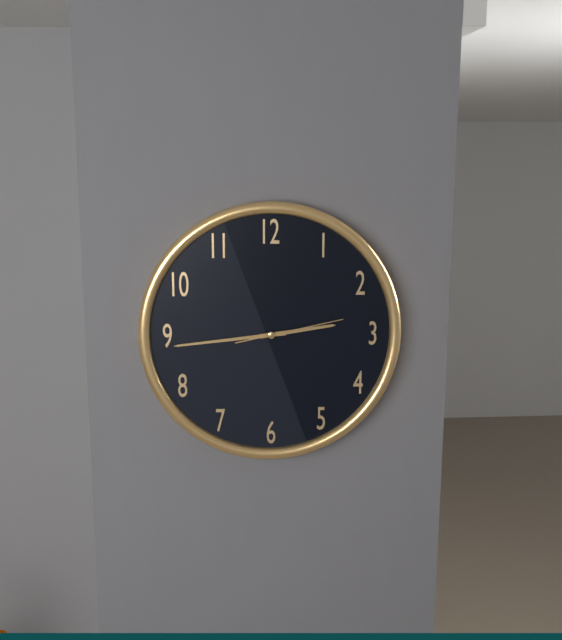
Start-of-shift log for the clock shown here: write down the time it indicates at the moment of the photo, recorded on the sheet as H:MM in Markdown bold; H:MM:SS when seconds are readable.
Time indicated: **2:44:13**
